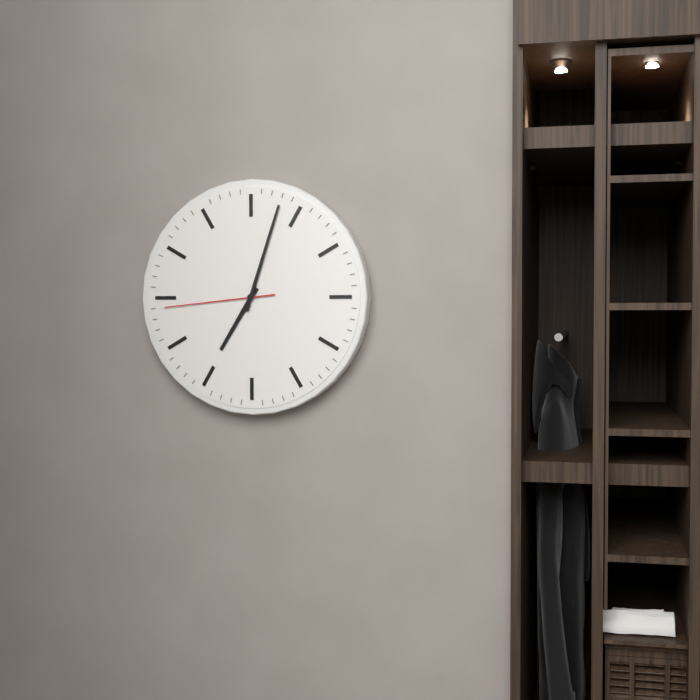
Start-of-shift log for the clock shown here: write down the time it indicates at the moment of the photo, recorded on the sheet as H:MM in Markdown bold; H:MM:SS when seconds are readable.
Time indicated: **7:03:44**
